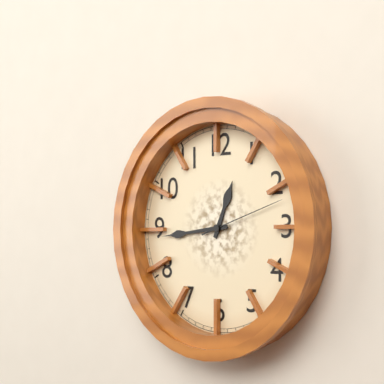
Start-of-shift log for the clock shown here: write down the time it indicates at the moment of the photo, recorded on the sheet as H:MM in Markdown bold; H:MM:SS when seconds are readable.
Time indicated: **12:44:12**
